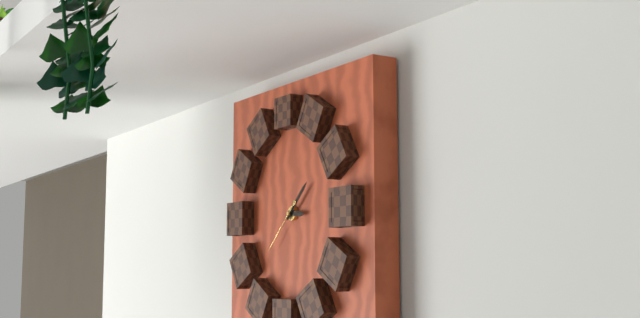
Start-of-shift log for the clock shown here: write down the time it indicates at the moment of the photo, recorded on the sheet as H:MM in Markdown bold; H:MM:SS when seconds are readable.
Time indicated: **3:08**
